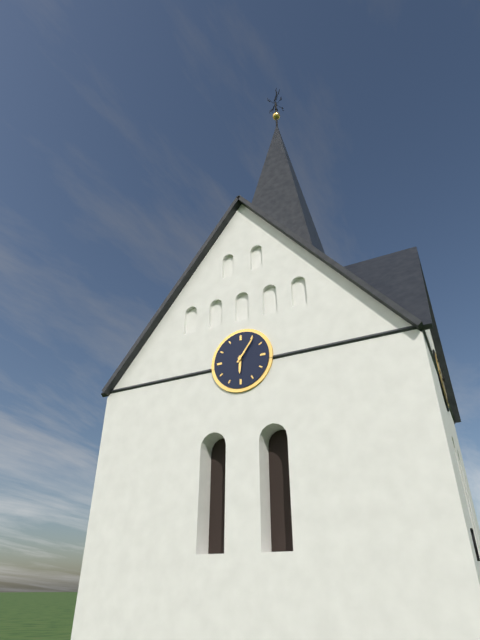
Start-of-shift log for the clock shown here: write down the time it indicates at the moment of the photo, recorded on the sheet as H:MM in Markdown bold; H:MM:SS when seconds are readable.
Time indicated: **6:06**
